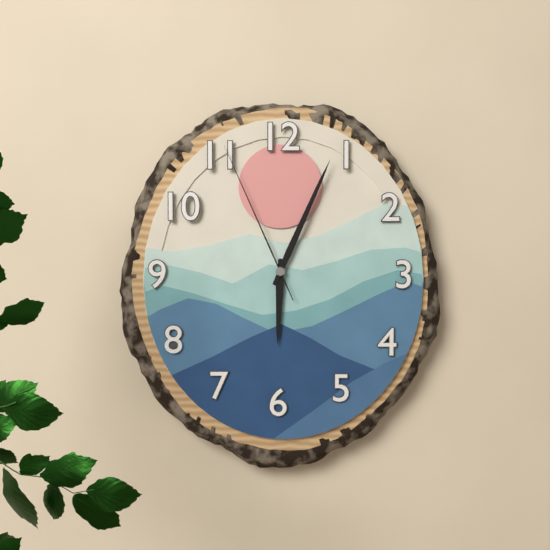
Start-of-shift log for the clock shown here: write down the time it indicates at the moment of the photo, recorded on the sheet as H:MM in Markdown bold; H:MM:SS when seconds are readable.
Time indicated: **6:04:56**
